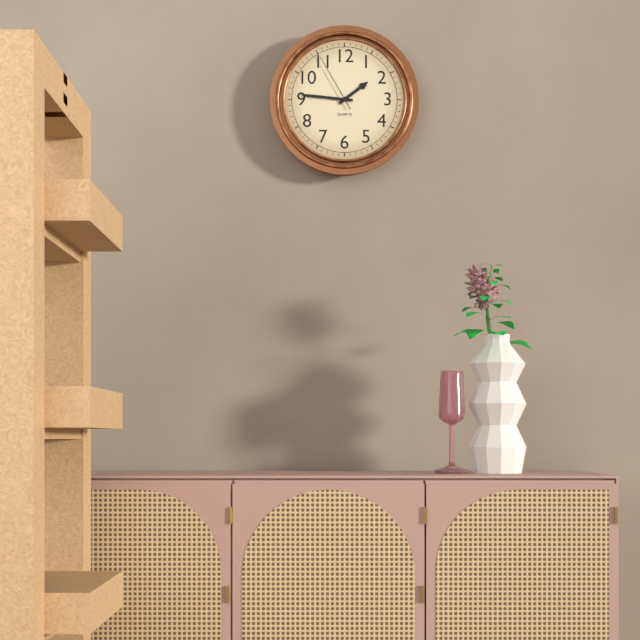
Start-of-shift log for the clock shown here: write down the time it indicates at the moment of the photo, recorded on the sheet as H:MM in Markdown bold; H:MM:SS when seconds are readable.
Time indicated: **1:46:55**
